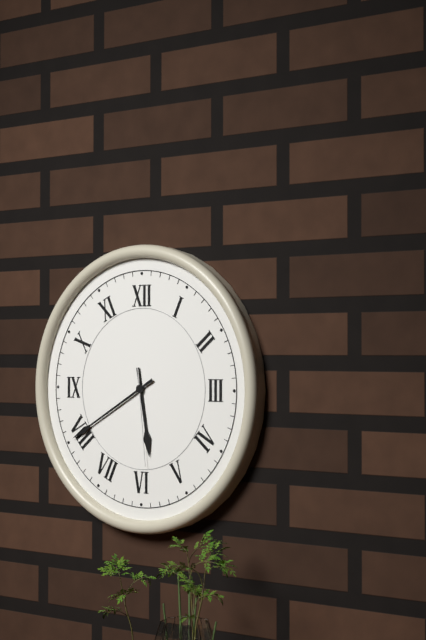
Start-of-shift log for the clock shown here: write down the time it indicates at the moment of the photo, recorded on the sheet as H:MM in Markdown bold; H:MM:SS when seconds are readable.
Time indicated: **5:40:29**
